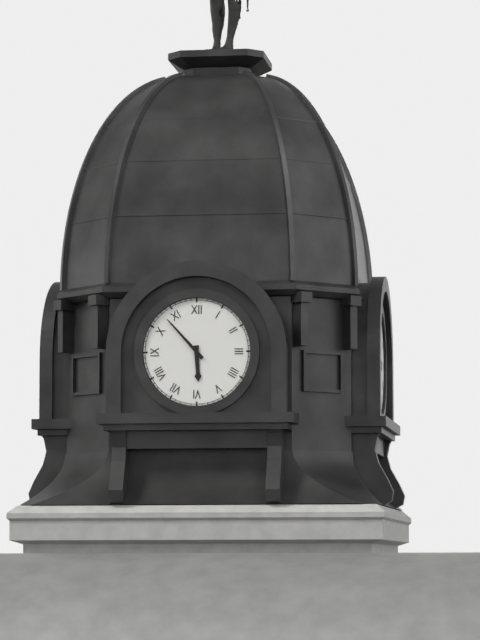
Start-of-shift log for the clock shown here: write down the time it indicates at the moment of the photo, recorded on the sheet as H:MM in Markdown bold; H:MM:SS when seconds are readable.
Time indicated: **5:53**
